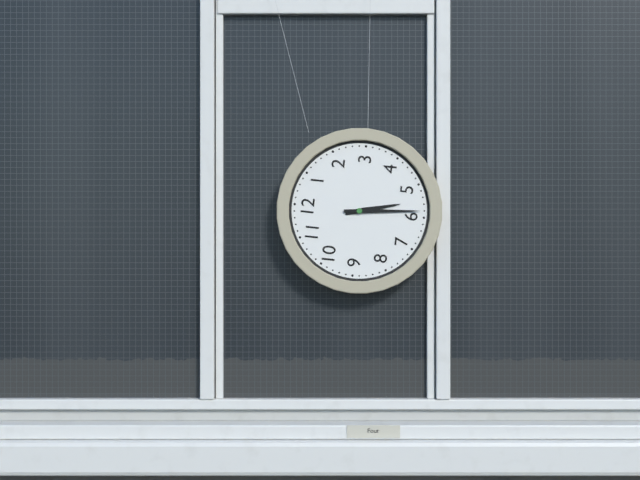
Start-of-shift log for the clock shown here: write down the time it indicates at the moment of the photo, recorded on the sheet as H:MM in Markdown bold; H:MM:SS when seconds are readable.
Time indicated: **5:29**
